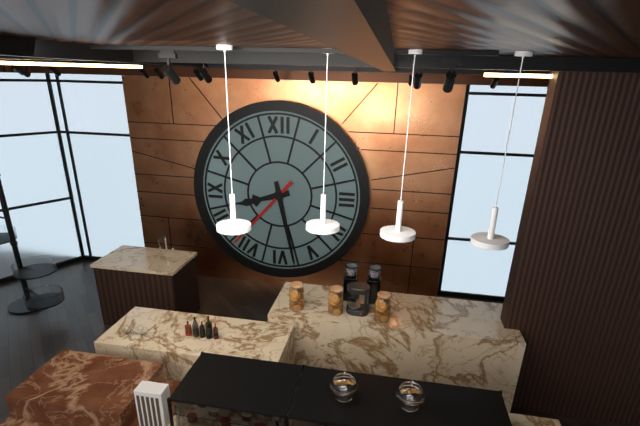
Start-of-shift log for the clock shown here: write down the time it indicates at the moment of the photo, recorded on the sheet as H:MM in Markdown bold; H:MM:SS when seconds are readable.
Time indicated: **8:28:37**
